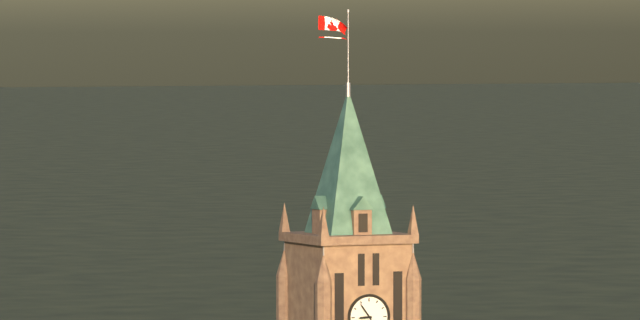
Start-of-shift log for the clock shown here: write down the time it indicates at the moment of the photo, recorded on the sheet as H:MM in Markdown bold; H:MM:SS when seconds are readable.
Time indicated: **8:54**
